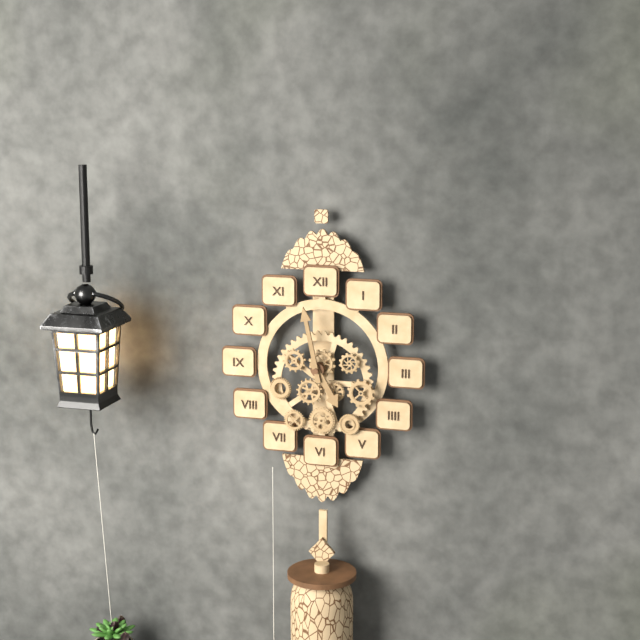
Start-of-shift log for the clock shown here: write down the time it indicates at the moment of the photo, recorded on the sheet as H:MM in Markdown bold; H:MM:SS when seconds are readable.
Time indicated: **4:58**
